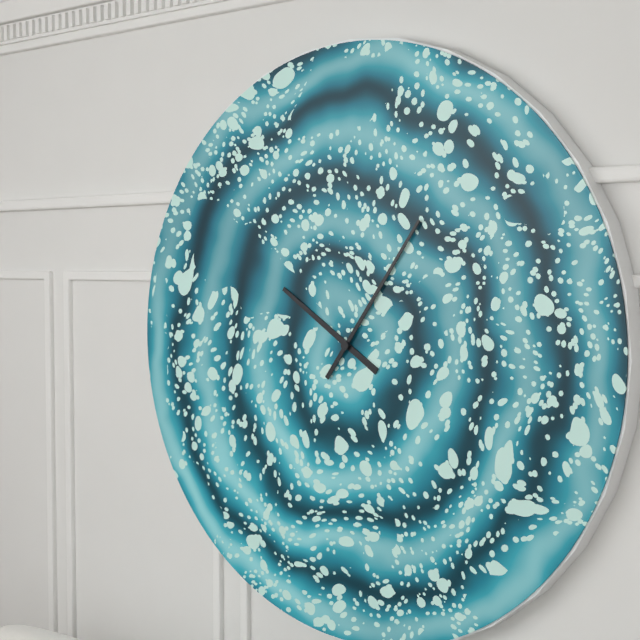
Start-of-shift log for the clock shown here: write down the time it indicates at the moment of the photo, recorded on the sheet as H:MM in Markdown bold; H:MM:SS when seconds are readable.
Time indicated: **10:06**
